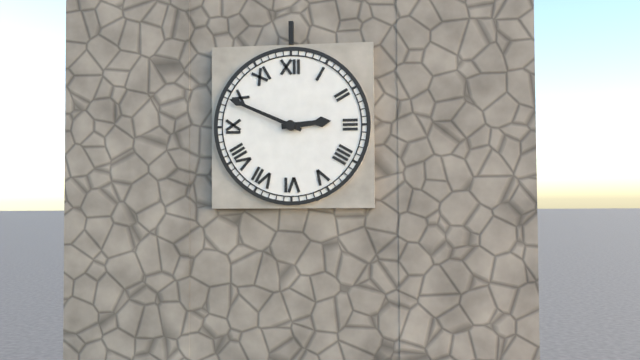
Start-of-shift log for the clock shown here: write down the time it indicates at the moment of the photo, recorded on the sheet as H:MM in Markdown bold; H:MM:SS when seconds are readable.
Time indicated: **2:49**
